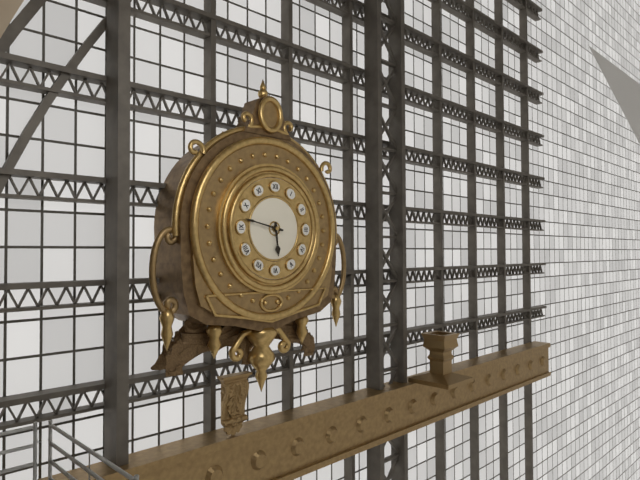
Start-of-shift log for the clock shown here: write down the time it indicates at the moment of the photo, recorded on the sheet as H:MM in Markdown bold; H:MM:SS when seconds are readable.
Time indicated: **5:47**
